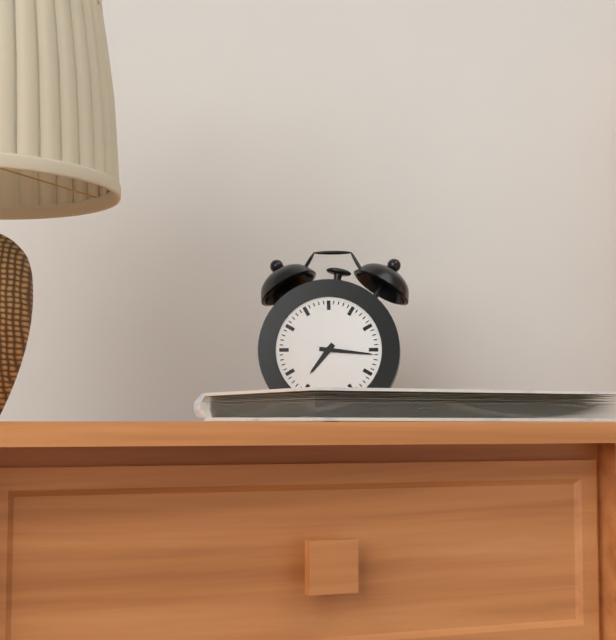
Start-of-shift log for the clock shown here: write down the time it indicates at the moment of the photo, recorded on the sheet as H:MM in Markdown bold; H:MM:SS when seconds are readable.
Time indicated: **7:16**
